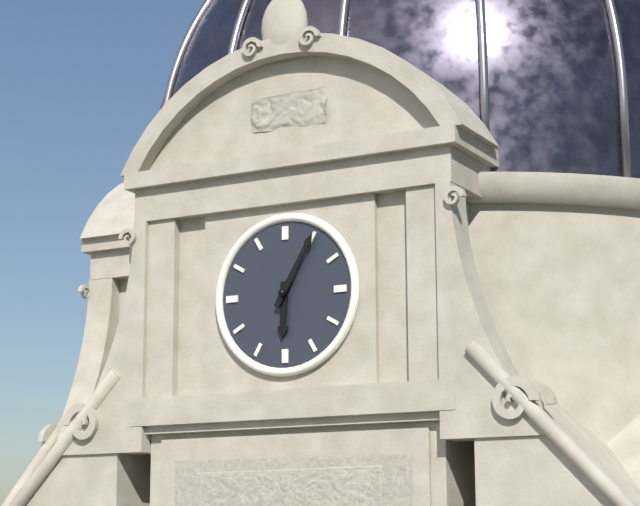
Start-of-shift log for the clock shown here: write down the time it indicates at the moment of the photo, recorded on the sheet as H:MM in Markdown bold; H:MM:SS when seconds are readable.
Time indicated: **6:05**
